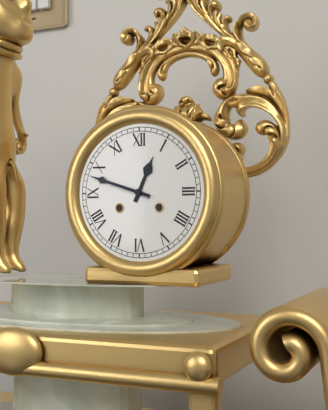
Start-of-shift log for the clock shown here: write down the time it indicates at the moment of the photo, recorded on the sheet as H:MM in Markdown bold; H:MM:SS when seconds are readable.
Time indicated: **12:48**
